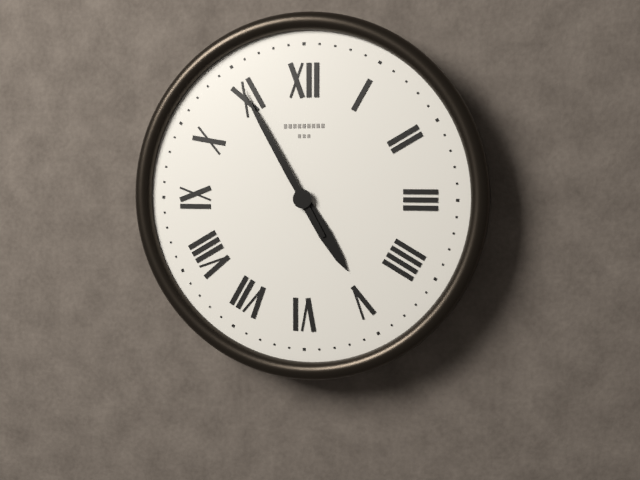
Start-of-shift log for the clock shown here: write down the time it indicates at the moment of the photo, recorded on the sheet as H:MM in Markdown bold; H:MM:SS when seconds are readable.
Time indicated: **4:55**
